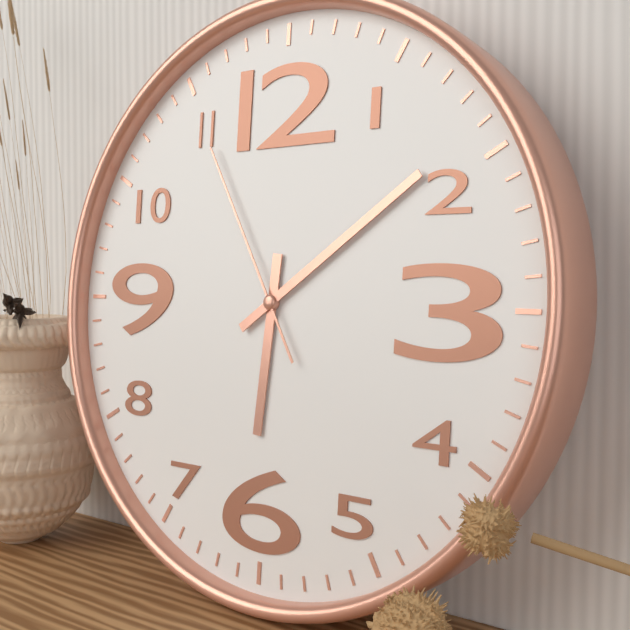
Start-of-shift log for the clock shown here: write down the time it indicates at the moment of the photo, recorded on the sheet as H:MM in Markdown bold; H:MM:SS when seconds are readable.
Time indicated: **6:09:55**
